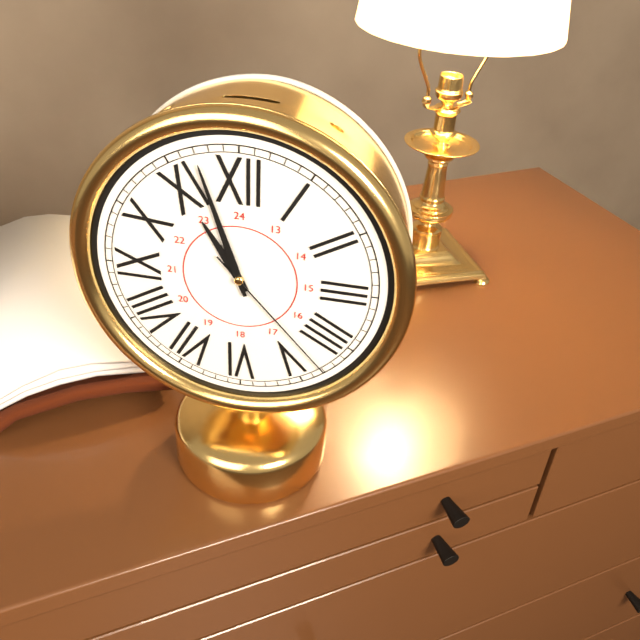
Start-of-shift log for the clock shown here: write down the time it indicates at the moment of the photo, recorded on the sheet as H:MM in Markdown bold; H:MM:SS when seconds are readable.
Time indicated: **10:57:23**
